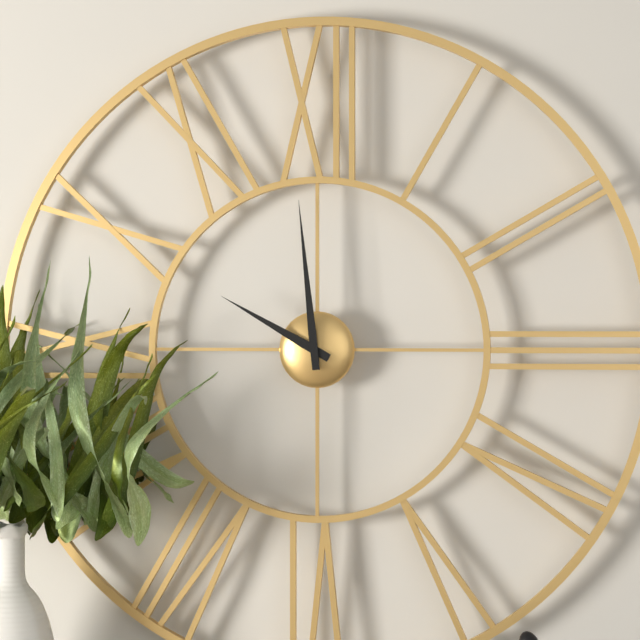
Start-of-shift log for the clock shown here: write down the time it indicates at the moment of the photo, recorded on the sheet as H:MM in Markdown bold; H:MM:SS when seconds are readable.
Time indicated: **9:59**
